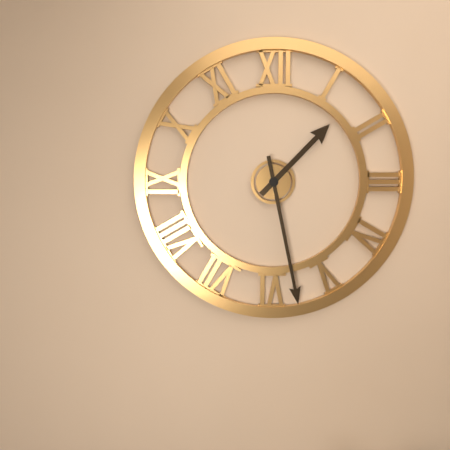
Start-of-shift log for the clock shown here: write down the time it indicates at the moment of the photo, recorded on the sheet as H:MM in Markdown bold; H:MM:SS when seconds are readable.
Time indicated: **1:28**
